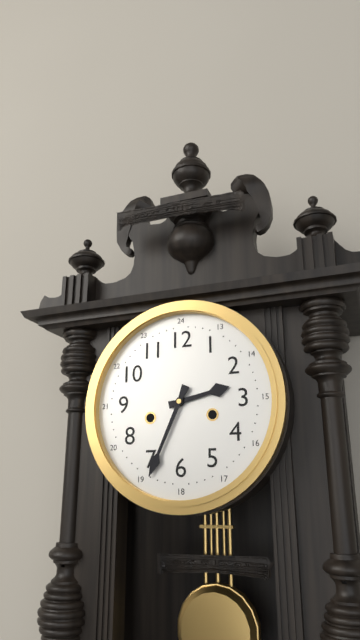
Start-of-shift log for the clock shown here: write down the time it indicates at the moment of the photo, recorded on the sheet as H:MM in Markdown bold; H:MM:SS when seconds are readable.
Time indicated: **2:34**
